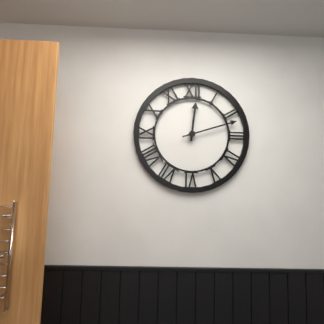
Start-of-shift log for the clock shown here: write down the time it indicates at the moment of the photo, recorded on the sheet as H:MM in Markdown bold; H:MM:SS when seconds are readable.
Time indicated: **12:12**
